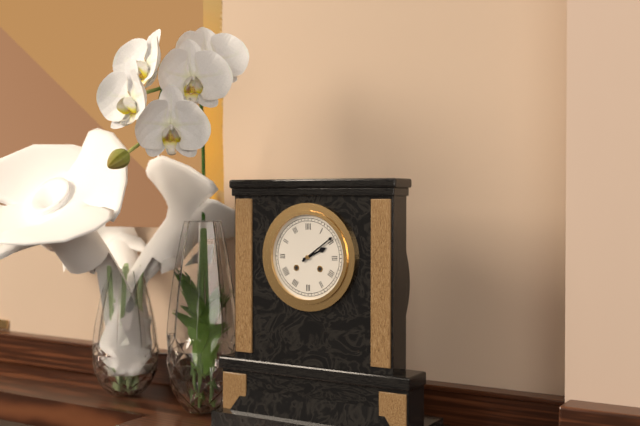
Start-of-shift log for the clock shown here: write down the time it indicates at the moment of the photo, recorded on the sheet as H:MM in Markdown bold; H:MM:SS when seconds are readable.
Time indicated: **2:09**
